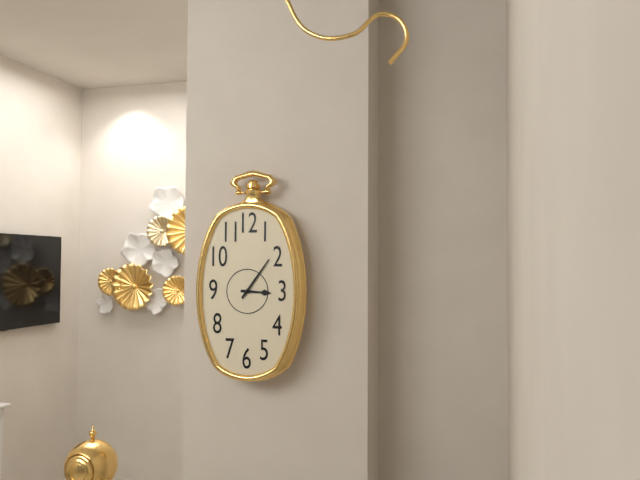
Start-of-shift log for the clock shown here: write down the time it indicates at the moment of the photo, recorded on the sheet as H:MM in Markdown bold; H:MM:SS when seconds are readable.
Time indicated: **3:06**
